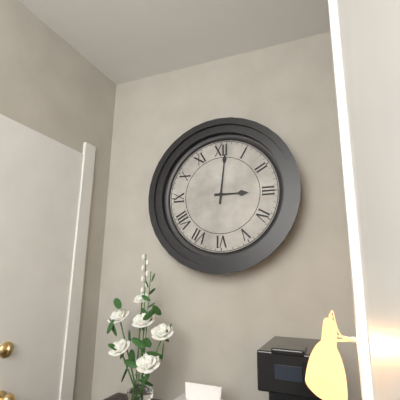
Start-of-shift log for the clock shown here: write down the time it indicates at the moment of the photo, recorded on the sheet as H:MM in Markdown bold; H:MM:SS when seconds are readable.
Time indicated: **3:01**
